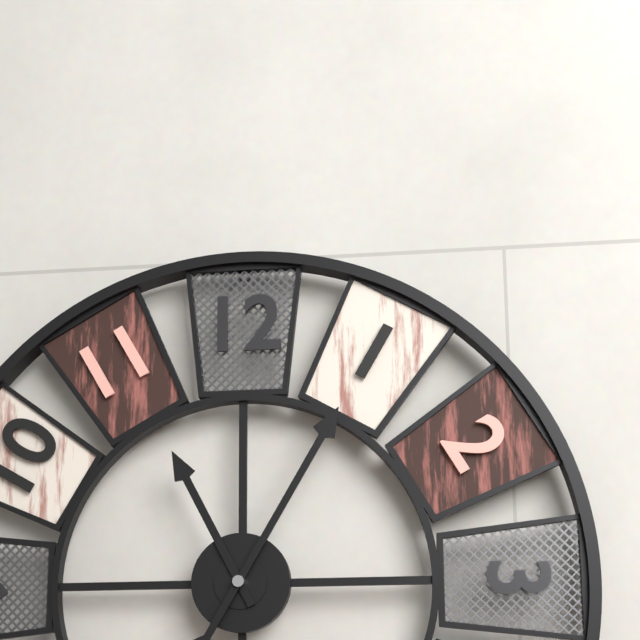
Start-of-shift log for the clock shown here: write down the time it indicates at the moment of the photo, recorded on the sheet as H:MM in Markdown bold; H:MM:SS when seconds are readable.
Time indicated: **11:05**
